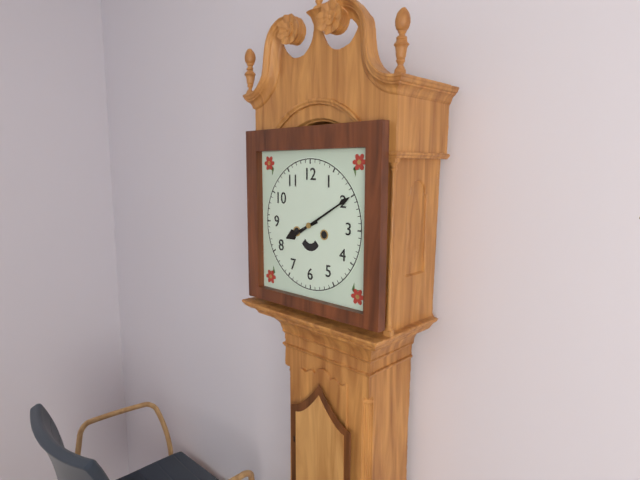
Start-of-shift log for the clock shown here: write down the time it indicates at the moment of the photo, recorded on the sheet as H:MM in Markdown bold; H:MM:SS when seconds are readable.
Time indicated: **8:10**
